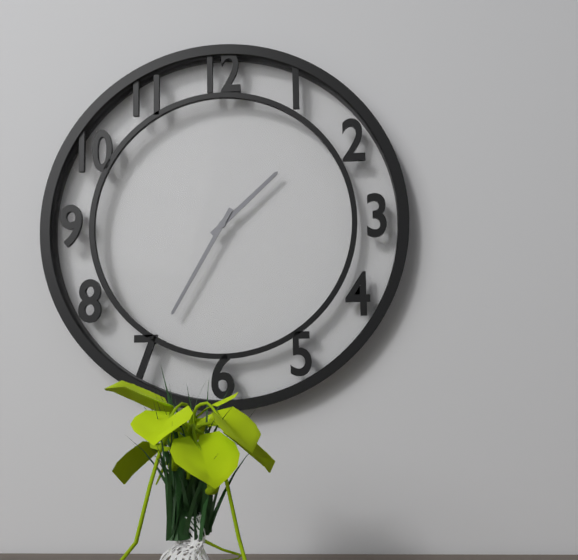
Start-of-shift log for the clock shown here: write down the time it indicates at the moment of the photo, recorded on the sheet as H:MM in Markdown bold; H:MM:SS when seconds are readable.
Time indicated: **1:35**
